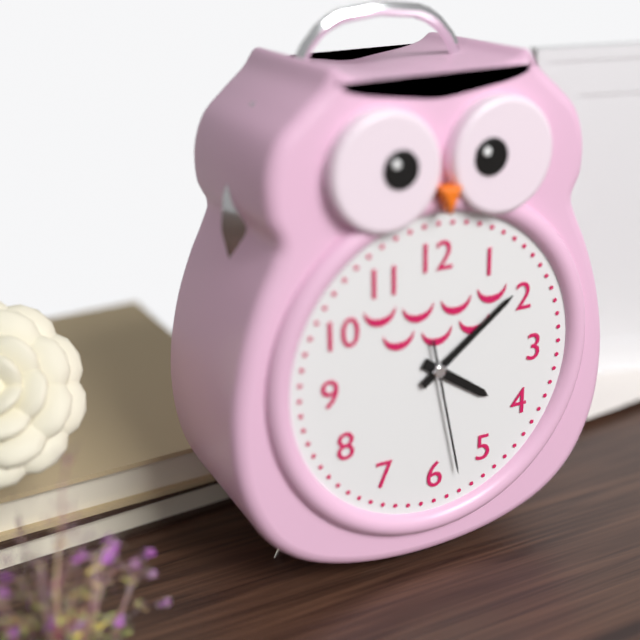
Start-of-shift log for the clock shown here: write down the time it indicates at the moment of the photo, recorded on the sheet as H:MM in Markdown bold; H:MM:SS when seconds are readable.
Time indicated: **4:09:28**
